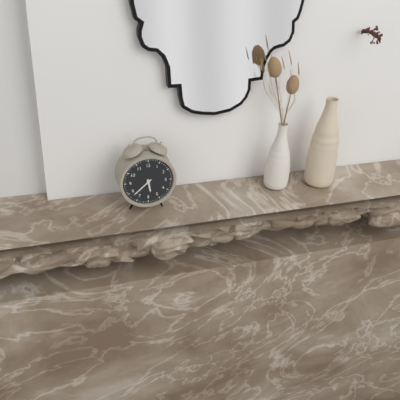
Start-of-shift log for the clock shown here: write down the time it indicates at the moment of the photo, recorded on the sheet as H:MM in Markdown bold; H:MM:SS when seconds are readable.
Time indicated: **5:38**
